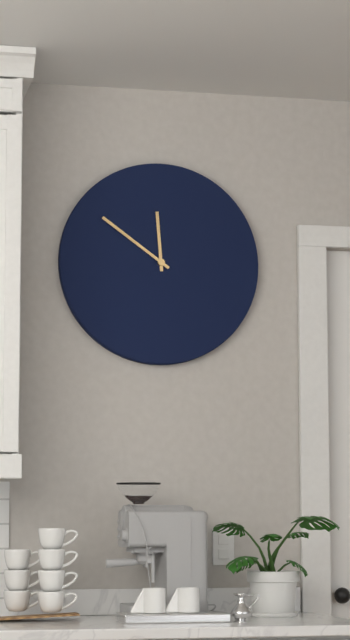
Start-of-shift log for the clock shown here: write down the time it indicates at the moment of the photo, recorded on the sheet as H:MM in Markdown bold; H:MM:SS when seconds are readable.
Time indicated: **11:51**
